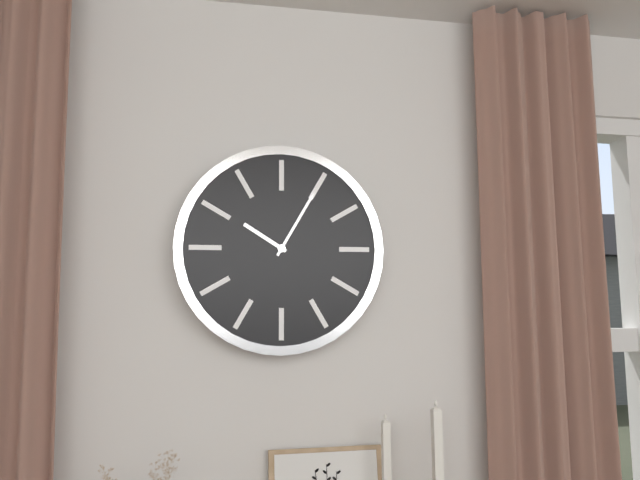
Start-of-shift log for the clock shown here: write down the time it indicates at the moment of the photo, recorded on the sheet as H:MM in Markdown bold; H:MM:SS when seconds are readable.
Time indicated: **10:05**
